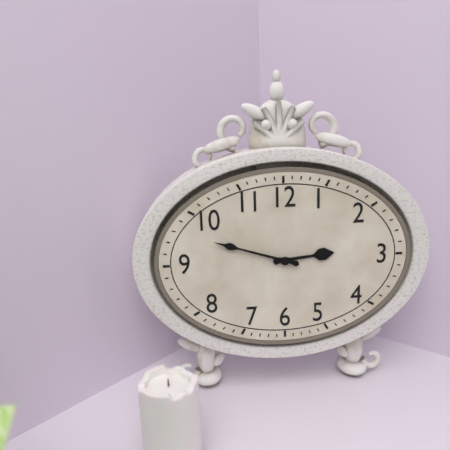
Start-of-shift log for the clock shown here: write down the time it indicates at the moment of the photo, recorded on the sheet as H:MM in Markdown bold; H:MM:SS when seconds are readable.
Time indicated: **2:48**
